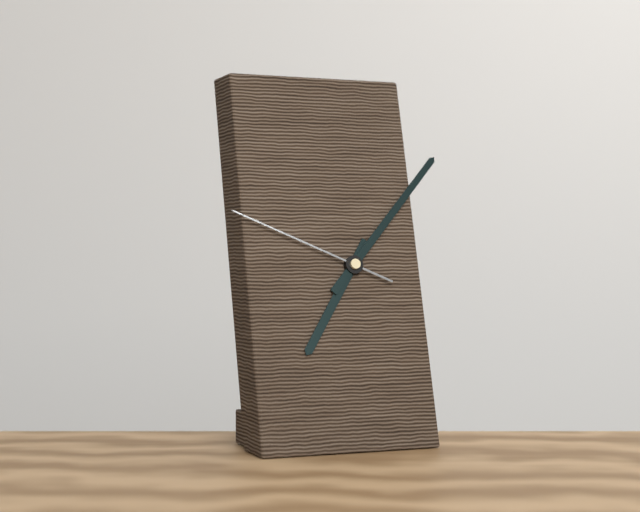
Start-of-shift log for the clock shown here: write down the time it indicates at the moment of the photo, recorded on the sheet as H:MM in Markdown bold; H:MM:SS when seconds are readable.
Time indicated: **7:07:49**
